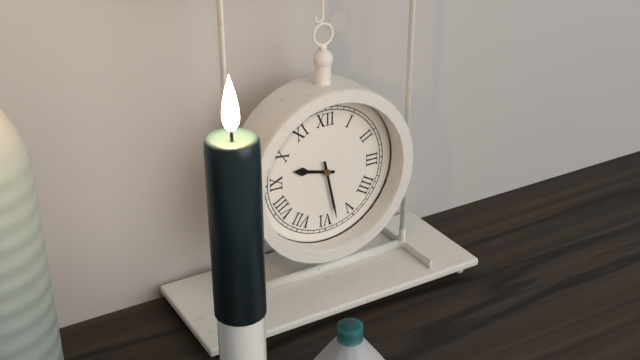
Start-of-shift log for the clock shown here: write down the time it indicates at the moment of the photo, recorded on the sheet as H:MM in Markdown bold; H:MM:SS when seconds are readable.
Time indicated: **9:28**
